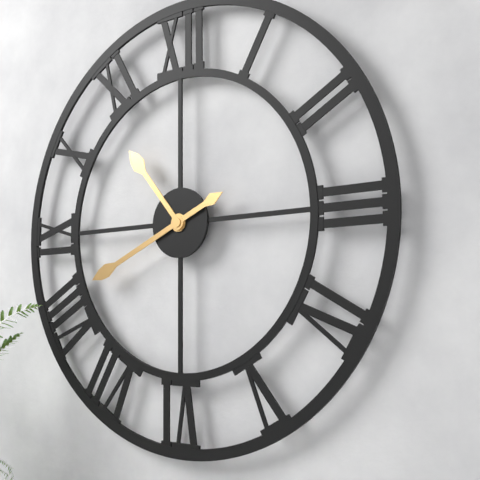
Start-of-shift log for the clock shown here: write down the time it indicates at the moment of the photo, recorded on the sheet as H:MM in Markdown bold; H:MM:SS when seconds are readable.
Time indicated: **10:41**
